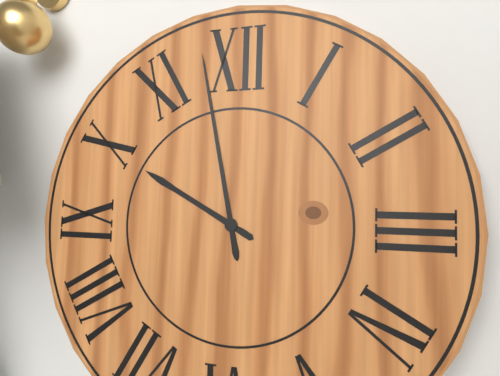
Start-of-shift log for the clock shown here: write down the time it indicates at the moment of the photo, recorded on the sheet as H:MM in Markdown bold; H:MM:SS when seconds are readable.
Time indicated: **9:58**
